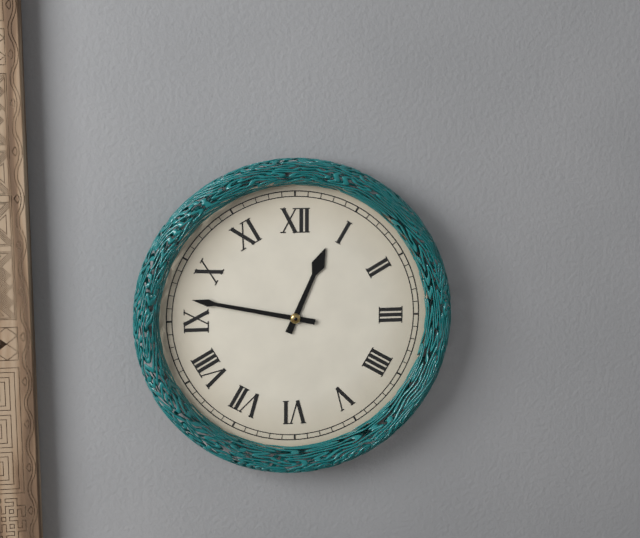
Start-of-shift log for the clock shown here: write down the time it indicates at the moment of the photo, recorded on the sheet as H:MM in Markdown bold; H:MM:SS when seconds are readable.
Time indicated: **12:47**
